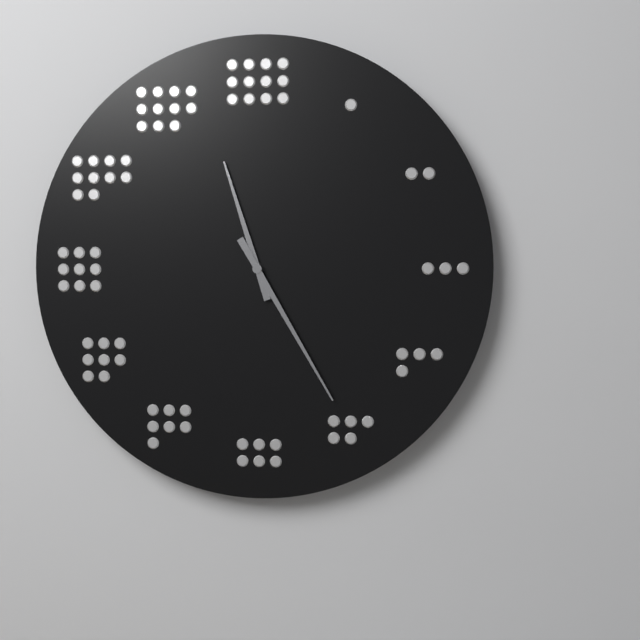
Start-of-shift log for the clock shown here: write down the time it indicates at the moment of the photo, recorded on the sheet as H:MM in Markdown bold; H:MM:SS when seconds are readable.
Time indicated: **11:25**
